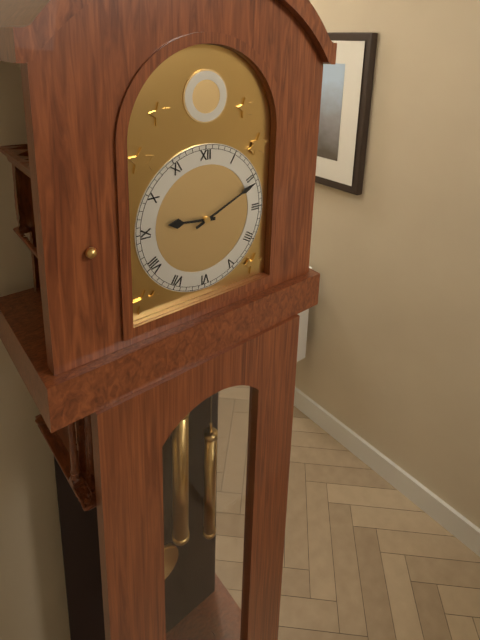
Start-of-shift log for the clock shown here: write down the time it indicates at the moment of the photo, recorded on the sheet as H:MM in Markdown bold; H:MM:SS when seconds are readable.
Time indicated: **9:11**
